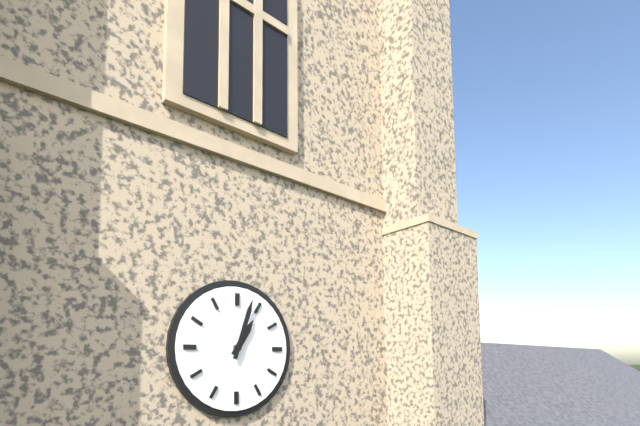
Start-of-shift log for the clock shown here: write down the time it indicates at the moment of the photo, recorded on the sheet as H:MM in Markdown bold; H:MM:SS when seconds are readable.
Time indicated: **1:03**
